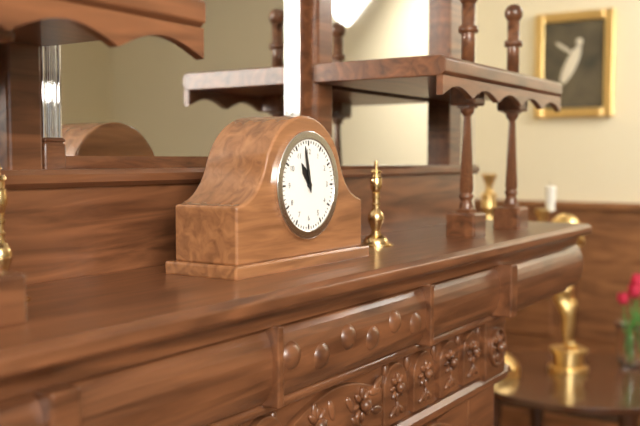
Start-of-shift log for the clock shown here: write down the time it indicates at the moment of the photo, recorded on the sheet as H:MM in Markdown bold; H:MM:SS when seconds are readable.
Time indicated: **10:58**
